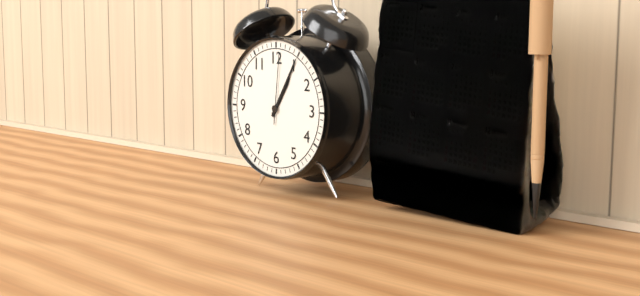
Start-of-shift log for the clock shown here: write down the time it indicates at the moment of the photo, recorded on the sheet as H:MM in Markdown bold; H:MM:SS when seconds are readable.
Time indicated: **1:05:01**
